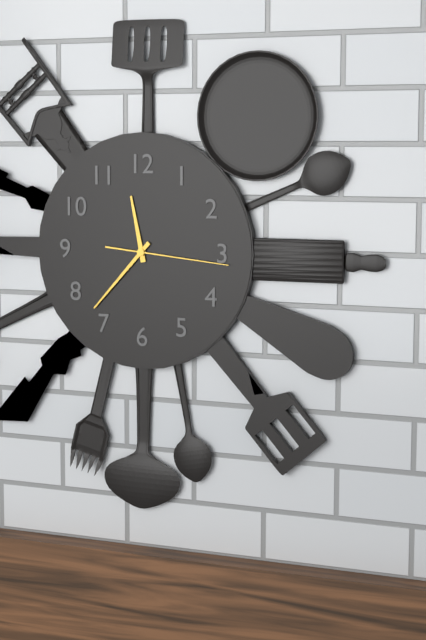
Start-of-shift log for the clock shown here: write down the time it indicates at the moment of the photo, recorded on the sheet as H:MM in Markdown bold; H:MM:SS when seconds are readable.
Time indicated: **11:37:16**
